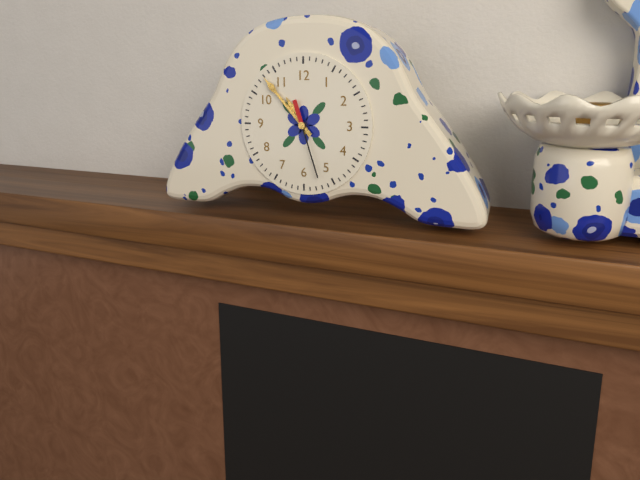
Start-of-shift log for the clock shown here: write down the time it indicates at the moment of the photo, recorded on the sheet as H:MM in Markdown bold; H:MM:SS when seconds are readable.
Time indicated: **10:53:27**
